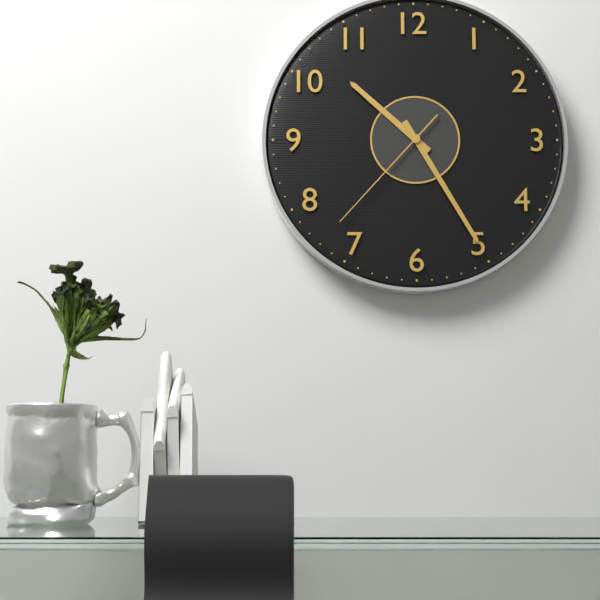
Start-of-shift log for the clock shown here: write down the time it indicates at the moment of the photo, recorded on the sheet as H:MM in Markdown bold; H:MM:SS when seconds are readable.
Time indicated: **10:25:37**
